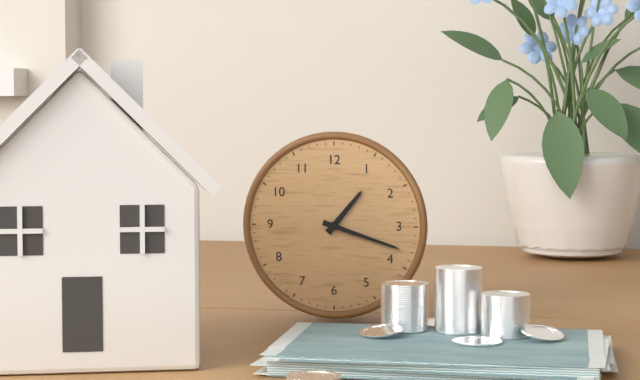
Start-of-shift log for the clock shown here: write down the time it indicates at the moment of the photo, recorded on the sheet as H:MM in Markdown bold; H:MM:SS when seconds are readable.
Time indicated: **1:18**
